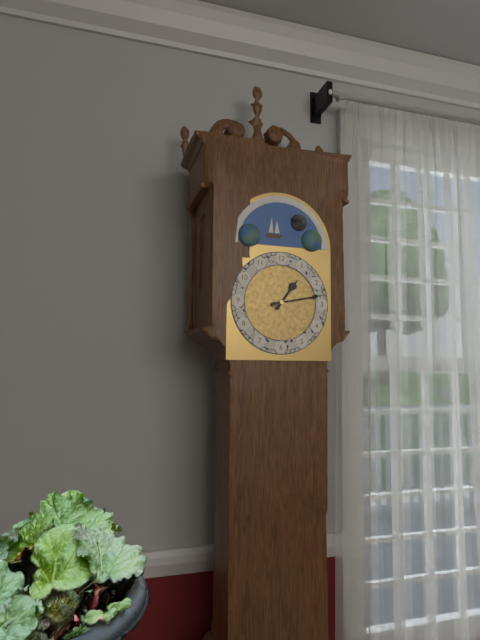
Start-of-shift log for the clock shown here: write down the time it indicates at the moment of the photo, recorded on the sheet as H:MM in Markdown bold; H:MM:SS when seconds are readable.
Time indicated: **1:13**
